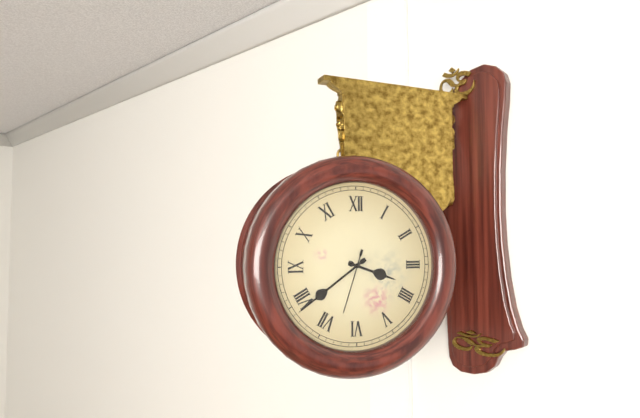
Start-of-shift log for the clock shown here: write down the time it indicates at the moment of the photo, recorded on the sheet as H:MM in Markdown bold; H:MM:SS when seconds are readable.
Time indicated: **3:39:33**
